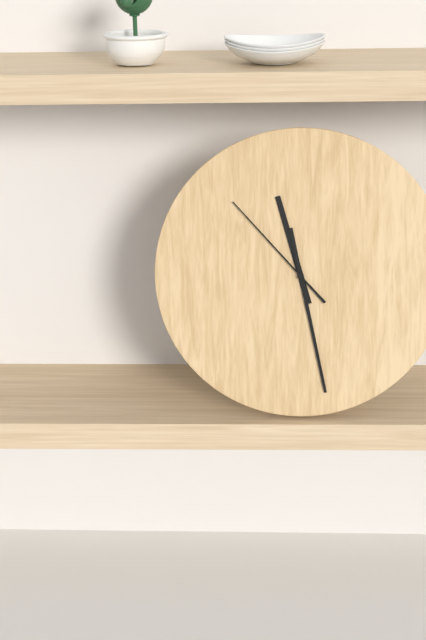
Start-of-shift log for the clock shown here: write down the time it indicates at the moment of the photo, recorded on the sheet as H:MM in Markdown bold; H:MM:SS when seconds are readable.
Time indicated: **11:28:53**
